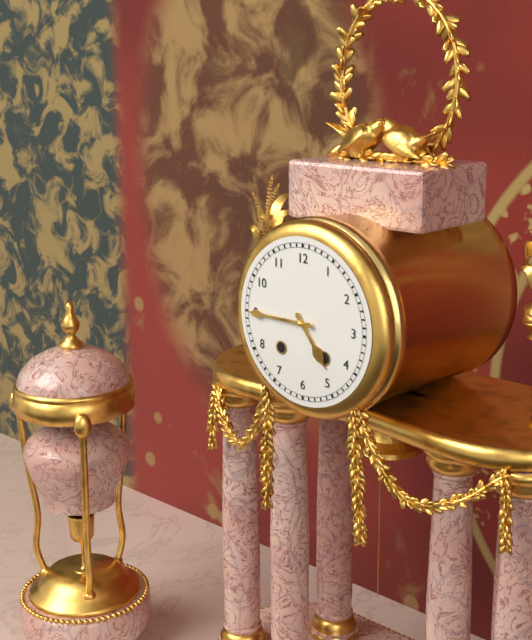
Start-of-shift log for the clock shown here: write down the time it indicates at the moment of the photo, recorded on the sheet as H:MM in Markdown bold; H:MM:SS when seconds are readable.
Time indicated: **4:45**
